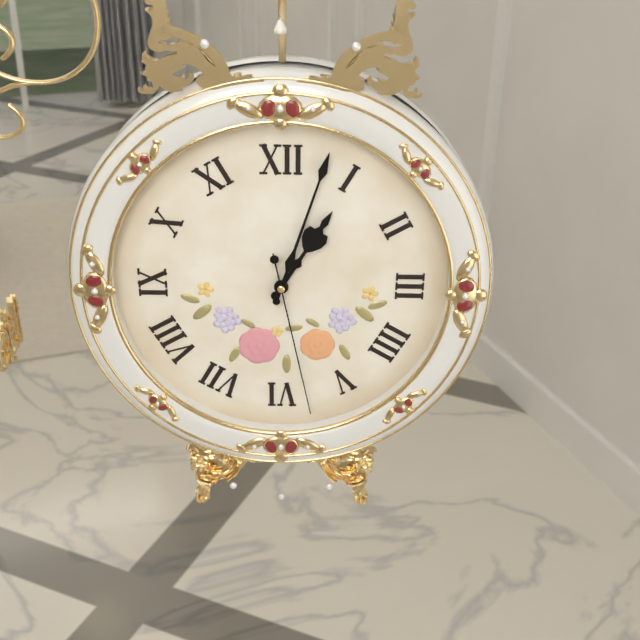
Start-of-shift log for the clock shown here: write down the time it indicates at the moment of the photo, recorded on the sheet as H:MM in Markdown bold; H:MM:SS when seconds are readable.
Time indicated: **1:03:28**
